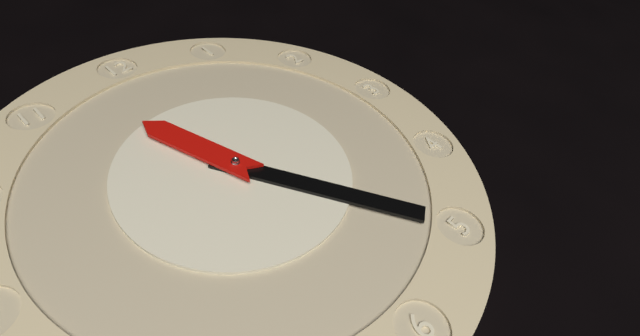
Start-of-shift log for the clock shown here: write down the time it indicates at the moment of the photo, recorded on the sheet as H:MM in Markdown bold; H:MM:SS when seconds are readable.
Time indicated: **11:25**
